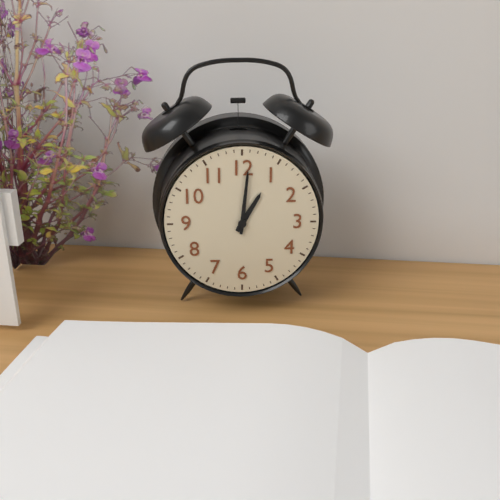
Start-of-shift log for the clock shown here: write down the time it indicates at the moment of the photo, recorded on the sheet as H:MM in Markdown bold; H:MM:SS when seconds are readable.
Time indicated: **1:01**
